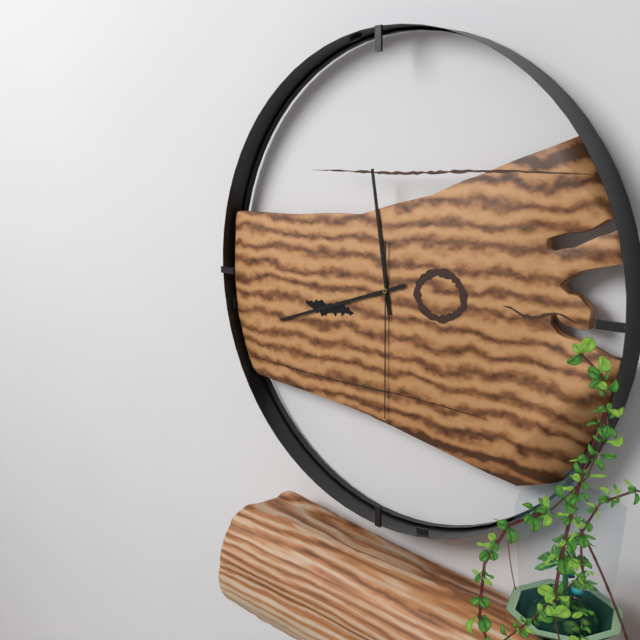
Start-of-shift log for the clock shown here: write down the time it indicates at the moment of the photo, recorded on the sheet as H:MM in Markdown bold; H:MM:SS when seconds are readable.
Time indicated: **11:42:30**
